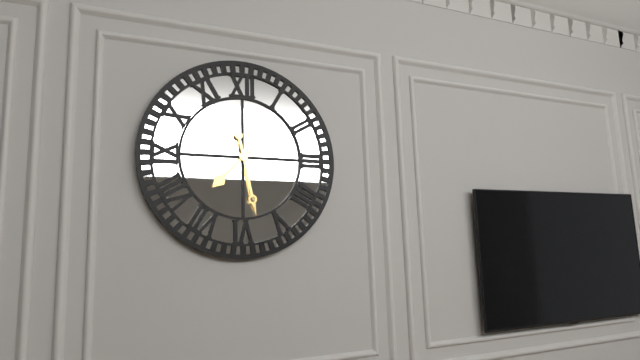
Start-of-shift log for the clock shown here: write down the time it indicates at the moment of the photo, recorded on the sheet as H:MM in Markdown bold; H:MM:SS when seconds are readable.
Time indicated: **7:28**
